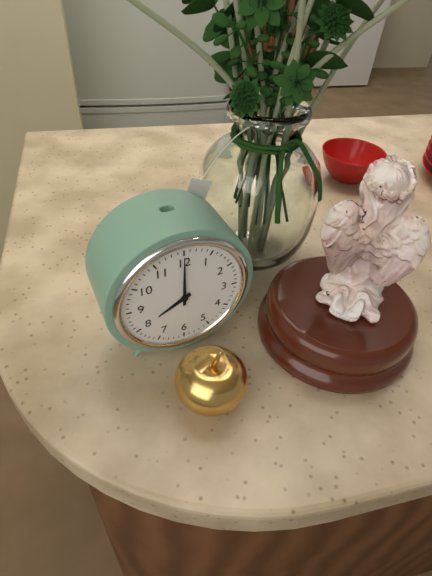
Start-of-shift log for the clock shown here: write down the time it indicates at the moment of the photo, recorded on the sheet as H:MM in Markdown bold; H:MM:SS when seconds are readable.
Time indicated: **8:00**
